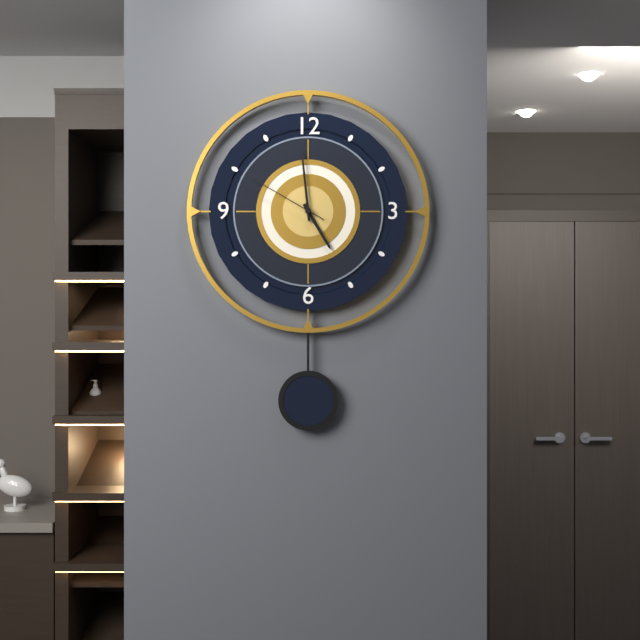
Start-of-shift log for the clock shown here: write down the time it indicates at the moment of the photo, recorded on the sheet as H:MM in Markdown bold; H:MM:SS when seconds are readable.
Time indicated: **4:59:50**
